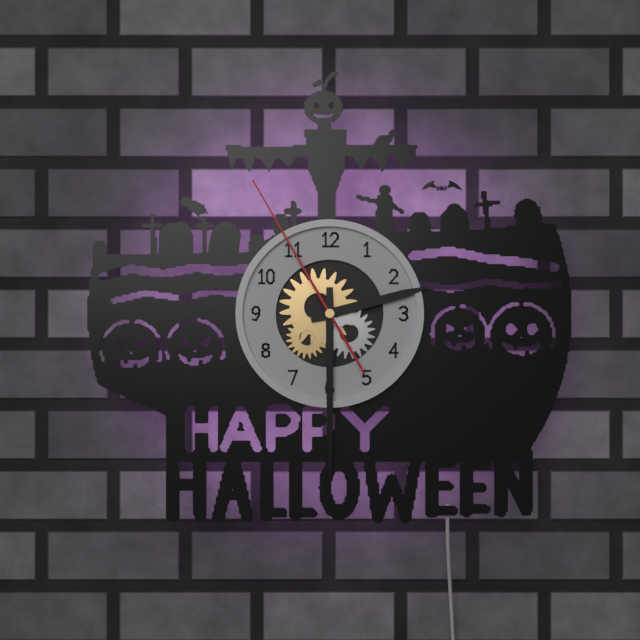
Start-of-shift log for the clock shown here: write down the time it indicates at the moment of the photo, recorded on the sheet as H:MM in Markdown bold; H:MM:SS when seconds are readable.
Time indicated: **2:30:55**
